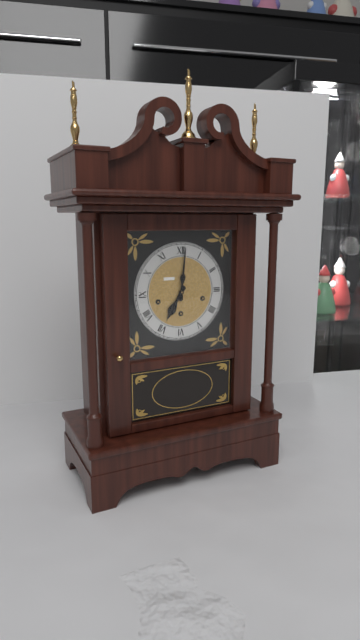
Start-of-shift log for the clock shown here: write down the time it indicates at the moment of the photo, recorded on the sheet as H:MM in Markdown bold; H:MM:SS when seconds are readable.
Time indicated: **7:01**
